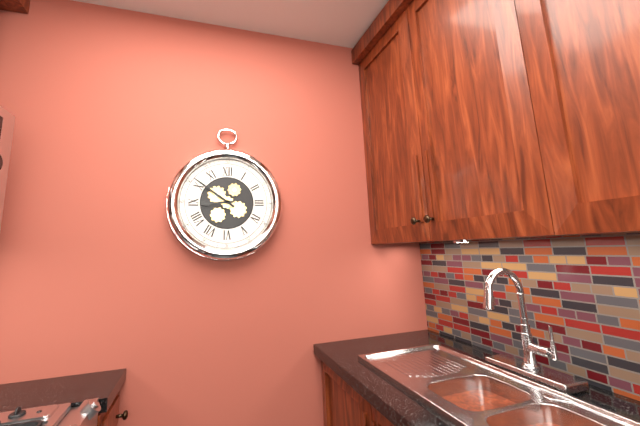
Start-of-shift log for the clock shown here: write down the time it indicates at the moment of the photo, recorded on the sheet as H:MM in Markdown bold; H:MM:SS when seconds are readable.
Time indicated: **8:51**
